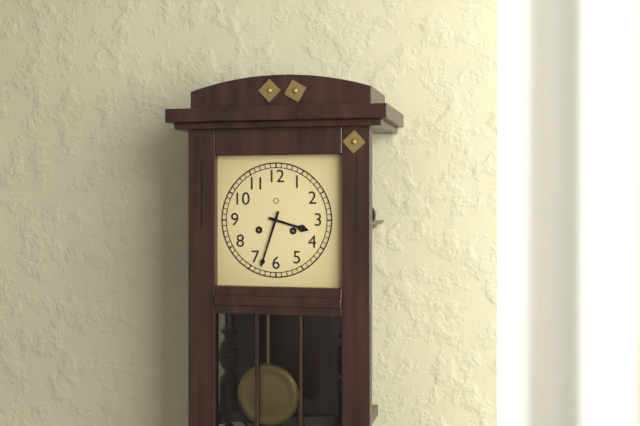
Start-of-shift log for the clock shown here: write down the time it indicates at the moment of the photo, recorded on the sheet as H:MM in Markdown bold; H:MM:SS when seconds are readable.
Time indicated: **3:33**
